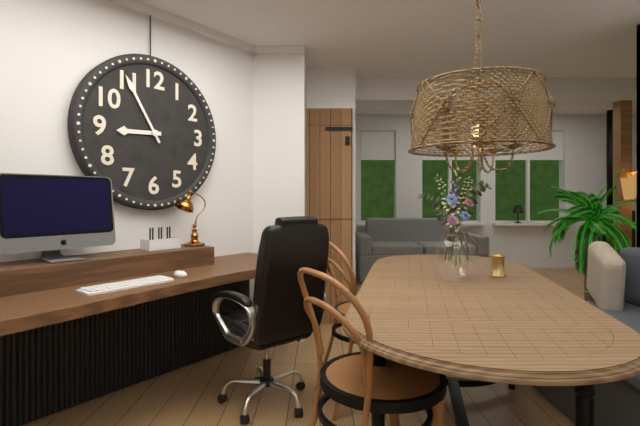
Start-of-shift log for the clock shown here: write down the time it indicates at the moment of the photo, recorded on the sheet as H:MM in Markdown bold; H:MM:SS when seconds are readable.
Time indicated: **8:55**
